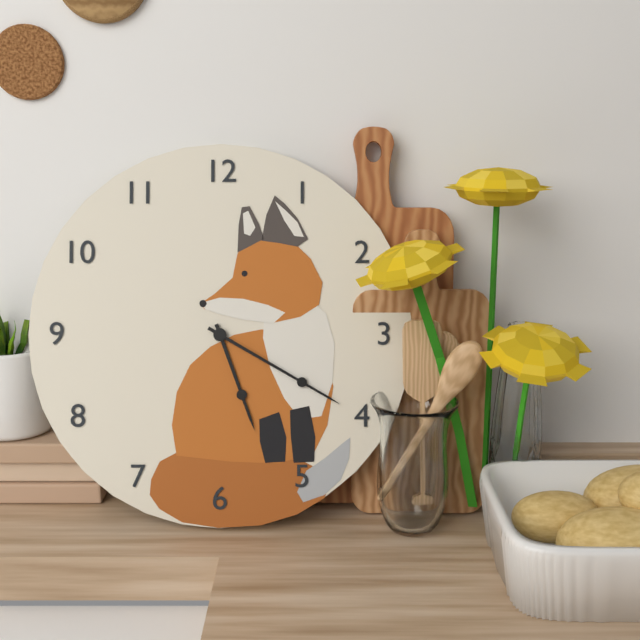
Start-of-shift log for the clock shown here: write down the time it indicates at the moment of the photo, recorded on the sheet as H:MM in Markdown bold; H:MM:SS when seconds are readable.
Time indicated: **5:20**
